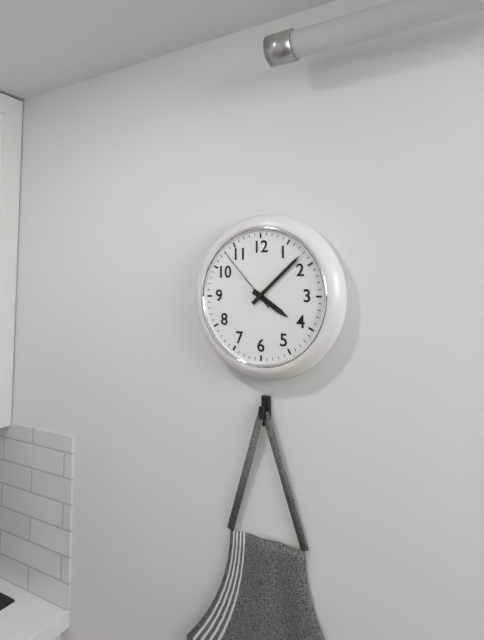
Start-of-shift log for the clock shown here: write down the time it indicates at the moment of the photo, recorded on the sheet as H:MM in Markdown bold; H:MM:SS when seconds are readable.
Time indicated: **4:08:53**
